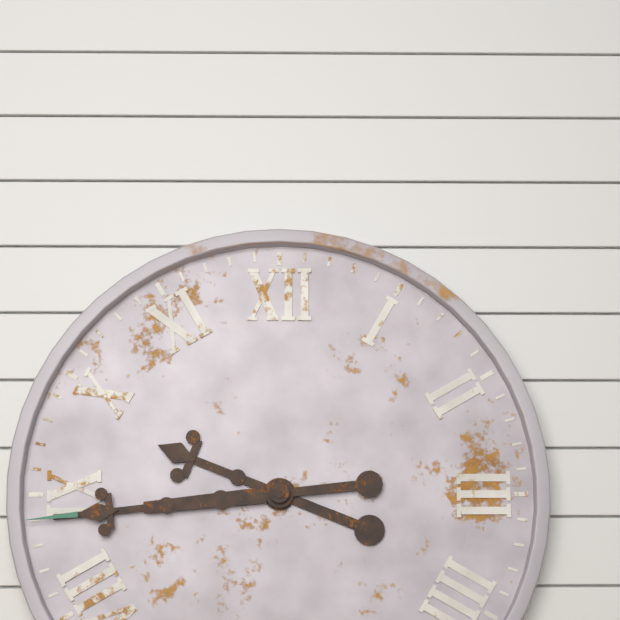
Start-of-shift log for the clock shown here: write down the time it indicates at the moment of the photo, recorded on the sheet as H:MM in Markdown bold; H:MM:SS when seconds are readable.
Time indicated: **9:44**
